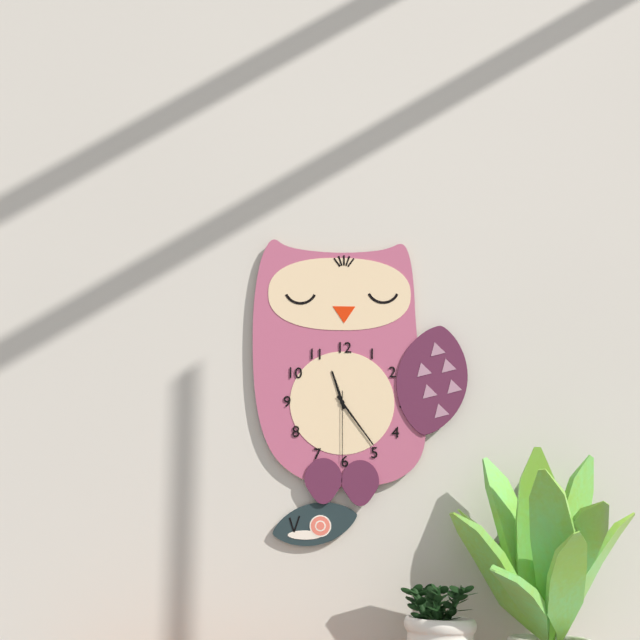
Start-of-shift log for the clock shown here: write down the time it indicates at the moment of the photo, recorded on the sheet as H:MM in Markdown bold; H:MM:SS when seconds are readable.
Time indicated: **11:24:30**
